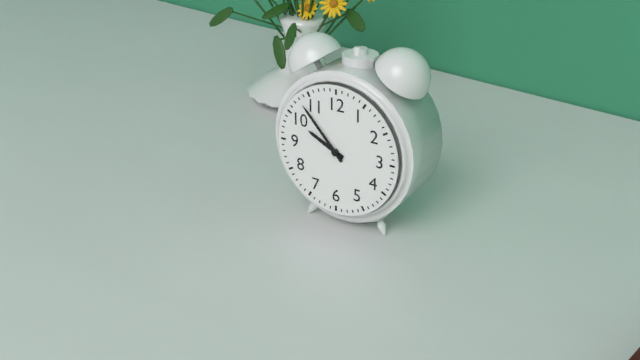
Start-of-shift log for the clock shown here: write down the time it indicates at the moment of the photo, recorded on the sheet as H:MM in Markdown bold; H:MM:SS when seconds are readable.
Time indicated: **9:53**
